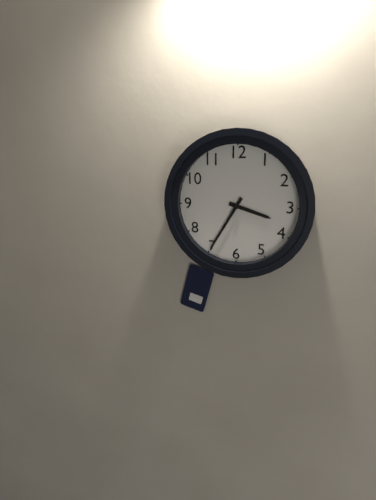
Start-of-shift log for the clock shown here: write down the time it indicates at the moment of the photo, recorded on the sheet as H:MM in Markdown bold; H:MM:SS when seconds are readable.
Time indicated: **3:35**
